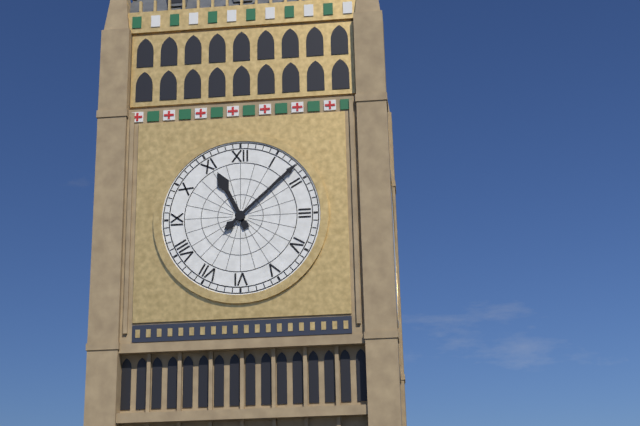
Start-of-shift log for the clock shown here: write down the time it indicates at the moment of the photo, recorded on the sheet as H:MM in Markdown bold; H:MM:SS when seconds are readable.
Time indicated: **11:08**
